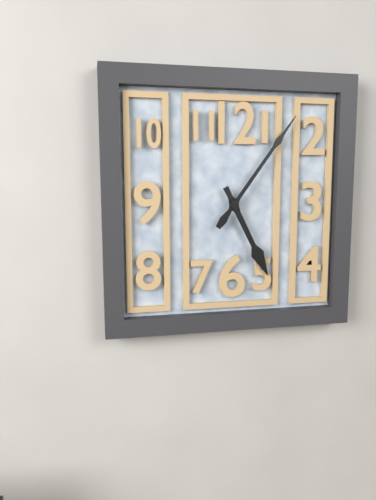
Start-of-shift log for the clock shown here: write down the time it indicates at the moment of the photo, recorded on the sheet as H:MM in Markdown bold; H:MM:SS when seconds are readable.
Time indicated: **5:06**
